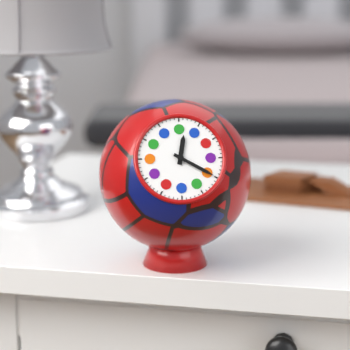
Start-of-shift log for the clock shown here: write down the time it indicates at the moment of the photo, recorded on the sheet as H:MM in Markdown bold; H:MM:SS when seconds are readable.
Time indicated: **12:20**
